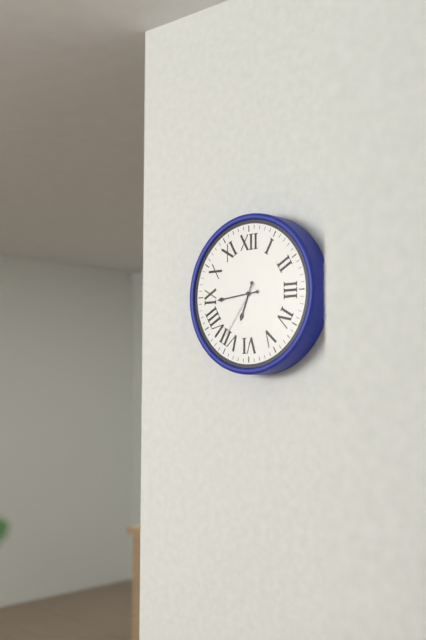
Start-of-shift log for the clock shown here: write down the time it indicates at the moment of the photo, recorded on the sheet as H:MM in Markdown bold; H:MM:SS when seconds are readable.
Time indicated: **6:44:36**
